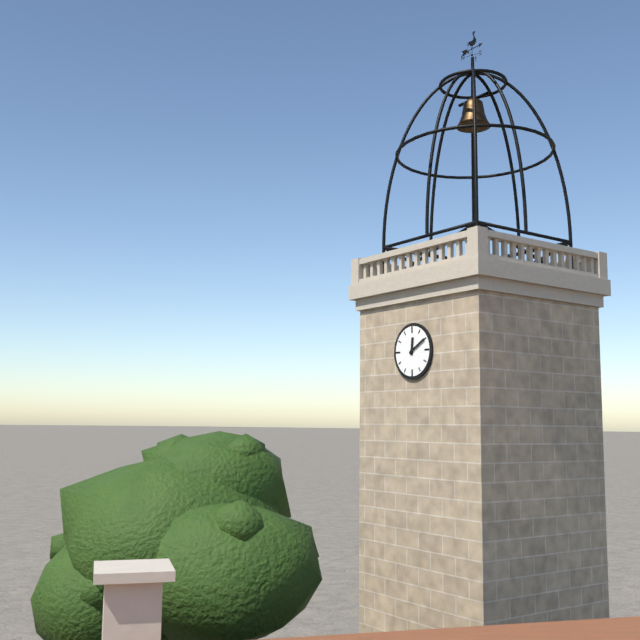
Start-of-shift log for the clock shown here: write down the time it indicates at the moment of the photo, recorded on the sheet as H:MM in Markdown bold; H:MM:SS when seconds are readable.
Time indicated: **12:10**
